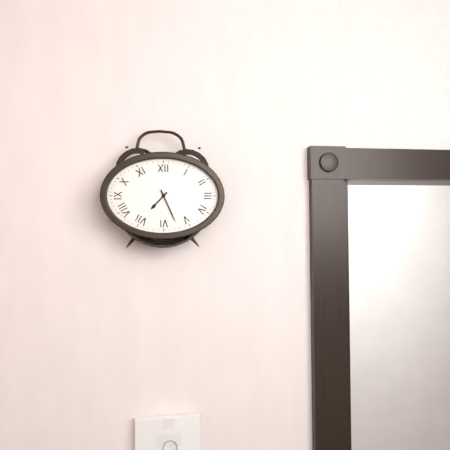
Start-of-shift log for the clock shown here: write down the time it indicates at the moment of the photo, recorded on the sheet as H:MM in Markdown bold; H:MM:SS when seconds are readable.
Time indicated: **7:26**
